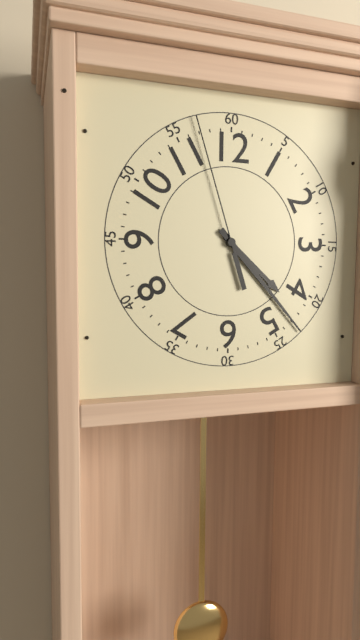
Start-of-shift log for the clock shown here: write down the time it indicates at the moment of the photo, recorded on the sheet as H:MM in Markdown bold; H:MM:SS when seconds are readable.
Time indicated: **4:23:57**
